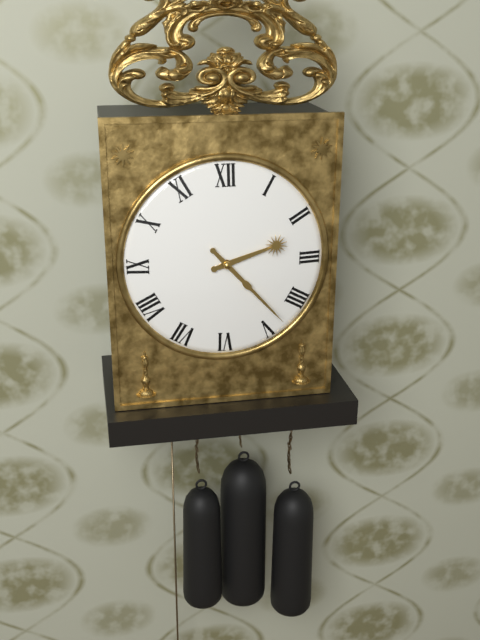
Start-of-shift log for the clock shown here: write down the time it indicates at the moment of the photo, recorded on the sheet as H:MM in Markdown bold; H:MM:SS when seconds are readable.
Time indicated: **2:23**
